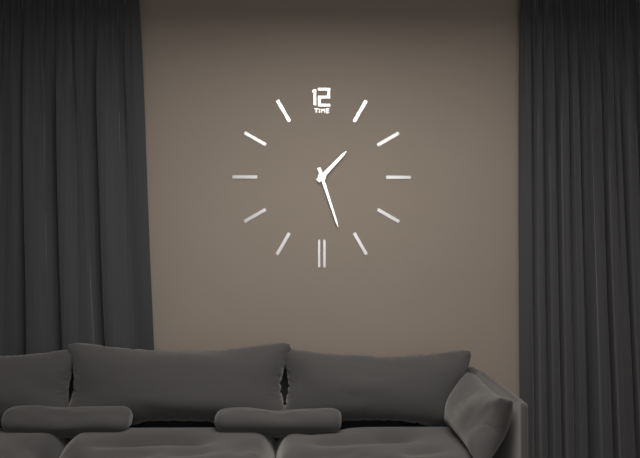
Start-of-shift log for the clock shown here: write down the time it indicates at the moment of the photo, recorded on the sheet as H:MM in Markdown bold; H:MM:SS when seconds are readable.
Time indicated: **1:27**
